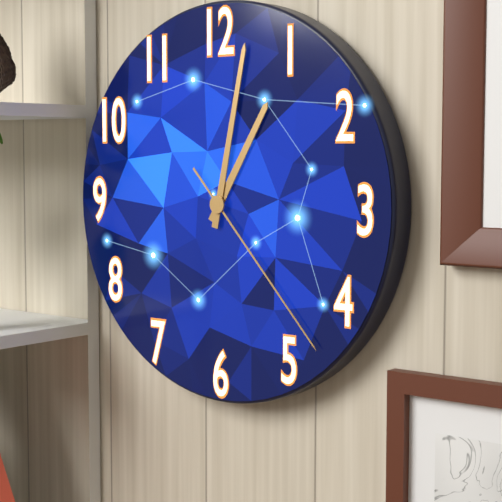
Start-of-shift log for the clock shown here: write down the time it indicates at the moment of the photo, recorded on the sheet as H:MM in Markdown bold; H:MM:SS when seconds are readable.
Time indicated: **1:02:23**
